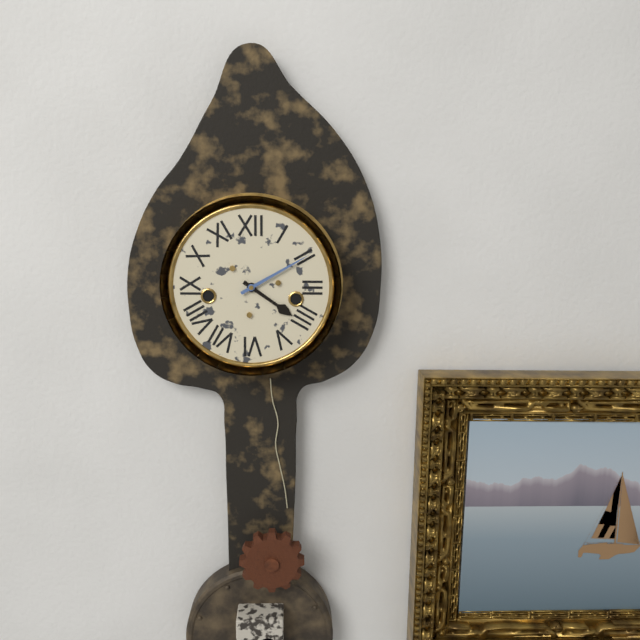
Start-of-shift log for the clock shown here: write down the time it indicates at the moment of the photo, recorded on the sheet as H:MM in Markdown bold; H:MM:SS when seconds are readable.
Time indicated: **4:10**
